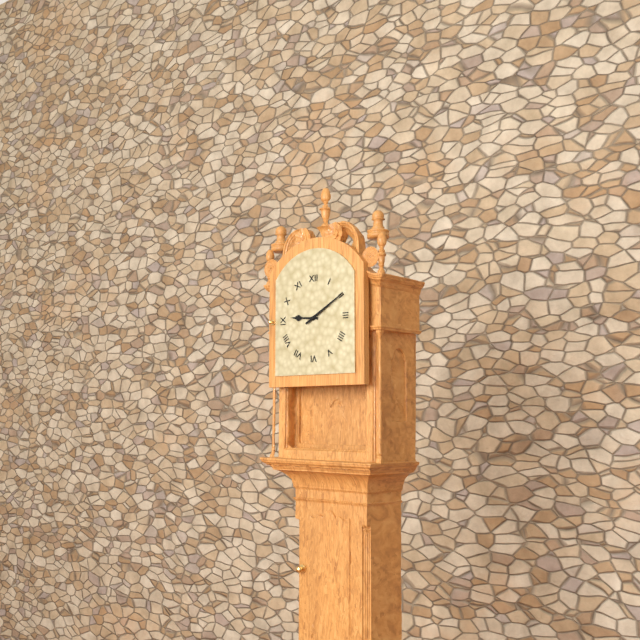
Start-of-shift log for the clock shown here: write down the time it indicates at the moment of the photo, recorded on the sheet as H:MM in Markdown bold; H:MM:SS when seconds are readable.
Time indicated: **9:10**
